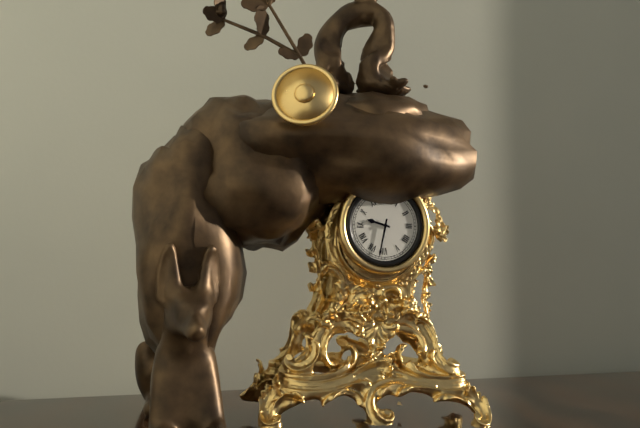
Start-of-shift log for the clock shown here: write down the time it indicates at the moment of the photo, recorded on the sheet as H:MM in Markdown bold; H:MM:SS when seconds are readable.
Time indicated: **9:32**
